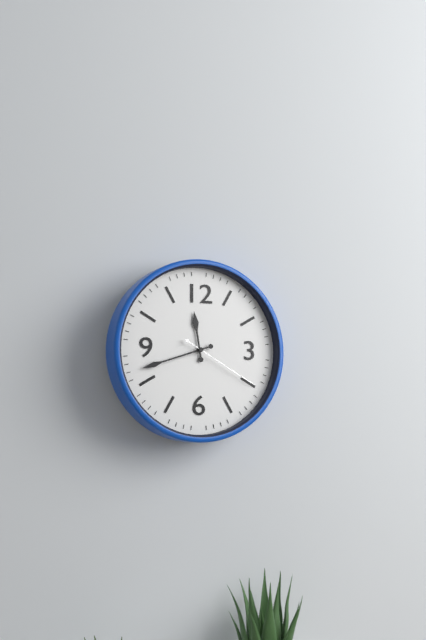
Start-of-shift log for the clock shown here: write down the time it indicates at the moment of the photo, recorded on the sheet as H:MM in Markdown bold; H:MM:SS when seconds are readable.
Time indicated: **11:42:20**
